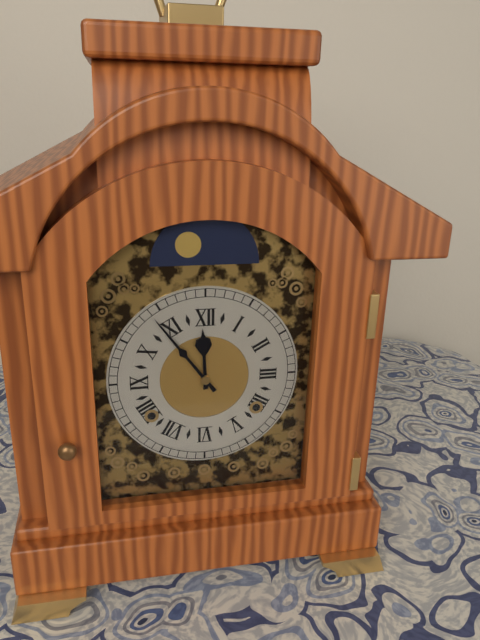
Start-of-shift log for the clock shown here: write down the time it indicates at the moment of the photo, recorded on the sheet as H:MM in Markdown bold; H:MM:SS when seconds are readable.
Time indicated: **11:54**
